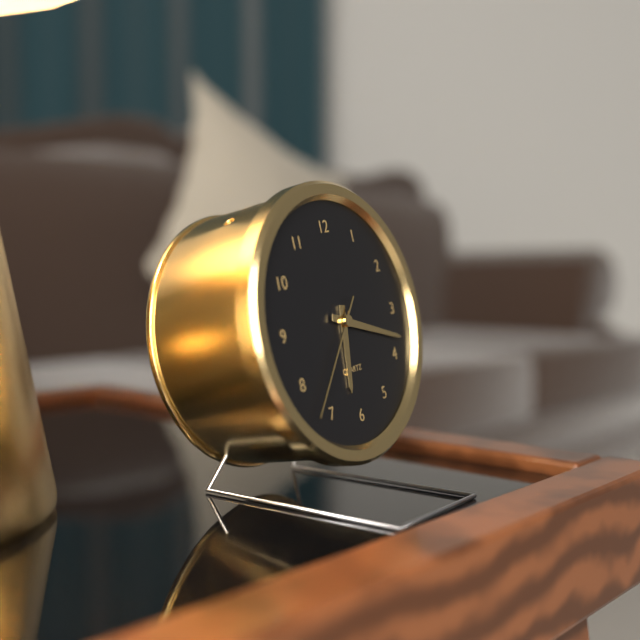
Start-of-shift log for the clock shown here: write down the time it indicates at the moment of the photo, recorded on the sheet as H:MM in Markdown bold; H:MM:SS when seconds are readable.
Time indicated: **6:18:37**
